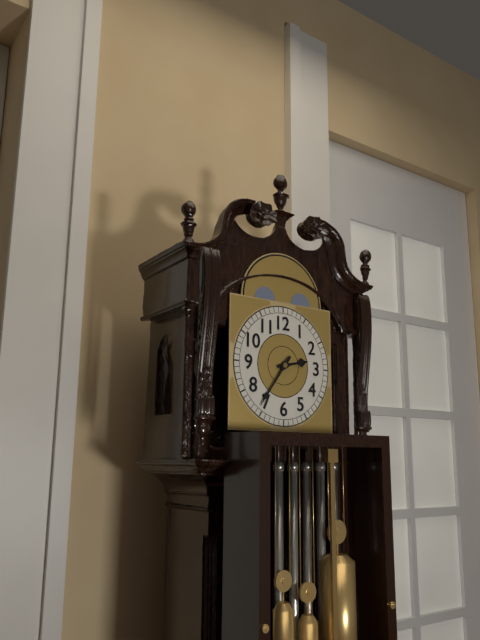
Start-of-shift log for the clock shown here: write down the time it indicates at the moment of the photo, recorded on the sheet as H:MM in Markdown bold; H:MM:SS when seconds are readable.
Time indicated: **2:36**
